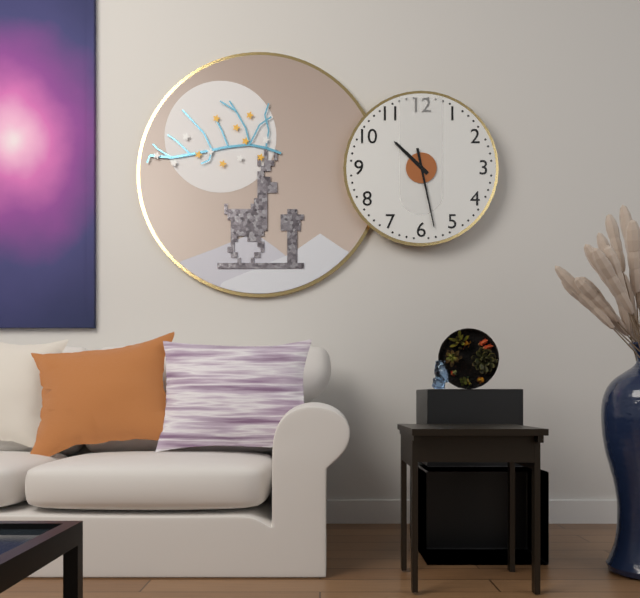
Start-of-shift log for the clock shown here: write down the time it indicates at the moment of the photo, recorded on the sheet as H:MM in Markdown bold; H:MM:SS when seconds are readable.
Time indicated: **10:28**
